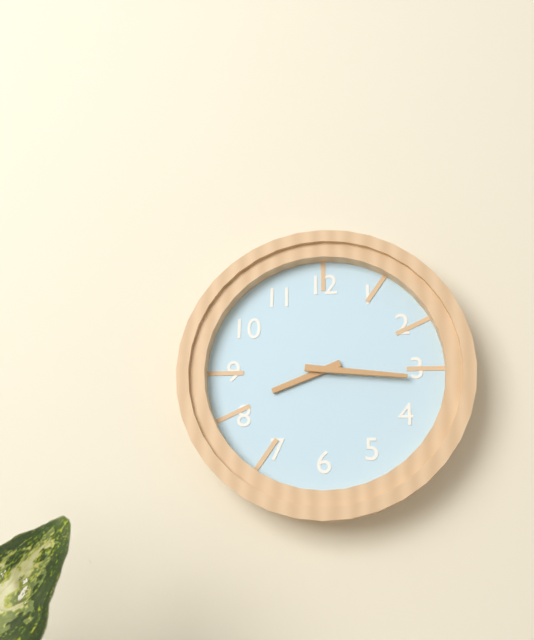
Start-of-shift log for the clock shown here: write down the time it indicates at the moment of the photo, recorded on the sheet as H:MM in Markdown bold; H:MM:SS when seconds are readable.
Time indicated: **8:16**
